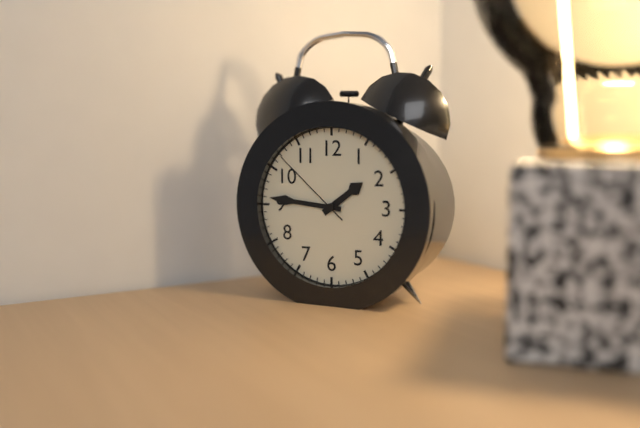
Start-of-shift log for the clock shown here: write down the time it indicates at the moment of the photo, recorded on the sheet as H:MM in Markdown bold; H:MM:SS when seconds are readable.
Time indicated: **1:46:52**
